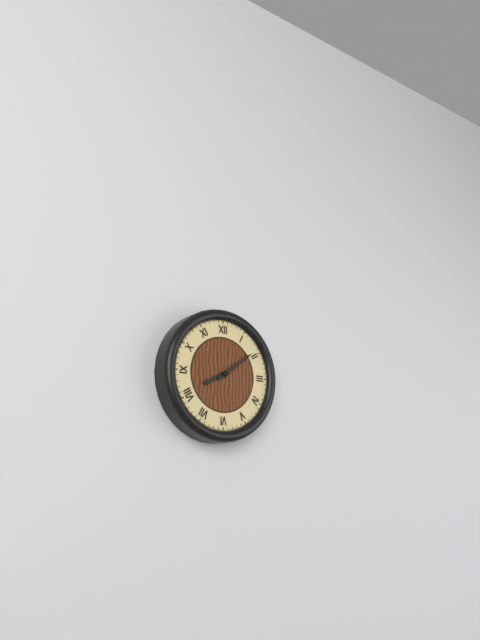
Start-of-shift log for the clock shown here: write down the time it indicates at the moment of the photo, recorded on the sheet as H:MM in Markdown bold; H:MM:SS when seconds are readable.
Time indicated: **8:09**
